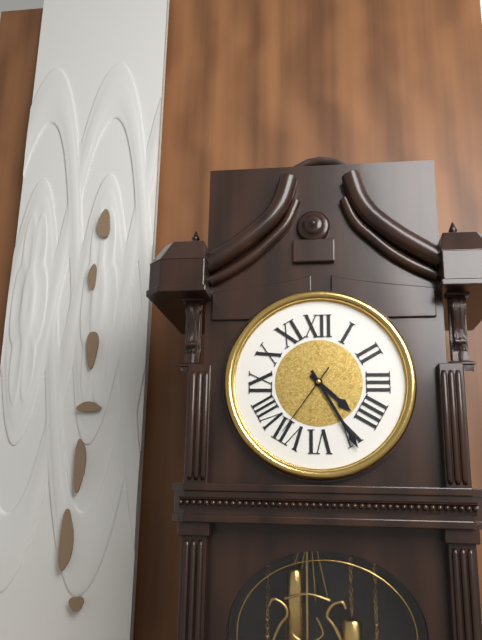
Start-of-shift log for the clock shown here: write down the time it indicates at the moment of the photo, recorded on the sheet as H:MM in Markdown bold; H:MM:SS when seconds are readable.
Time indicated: **4:25:36**
